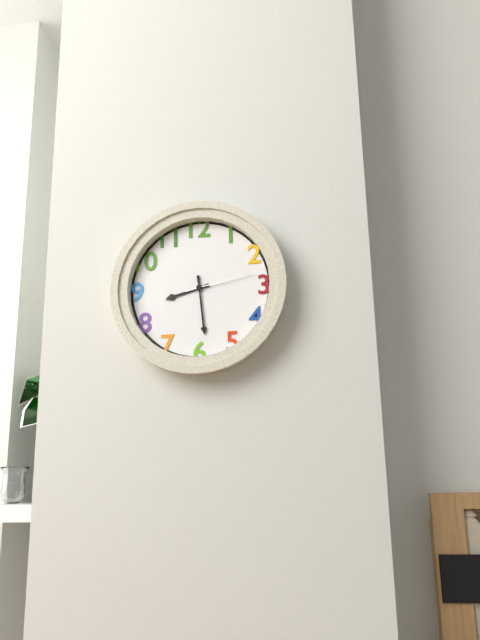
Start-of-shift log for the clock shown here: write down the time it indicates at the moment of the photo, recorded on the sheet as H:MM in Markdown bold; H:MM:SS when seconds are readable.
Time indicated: **8:29:13**
